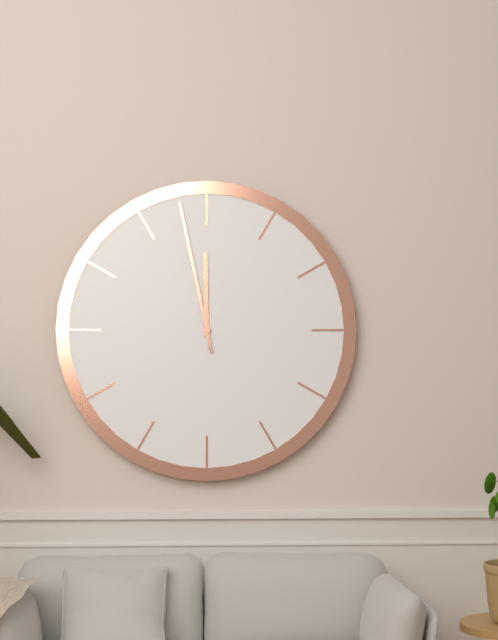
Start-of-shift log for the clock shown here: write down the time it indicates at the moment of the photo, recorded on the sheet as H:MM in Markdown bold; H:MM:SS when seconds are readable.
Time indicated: **11:58**
